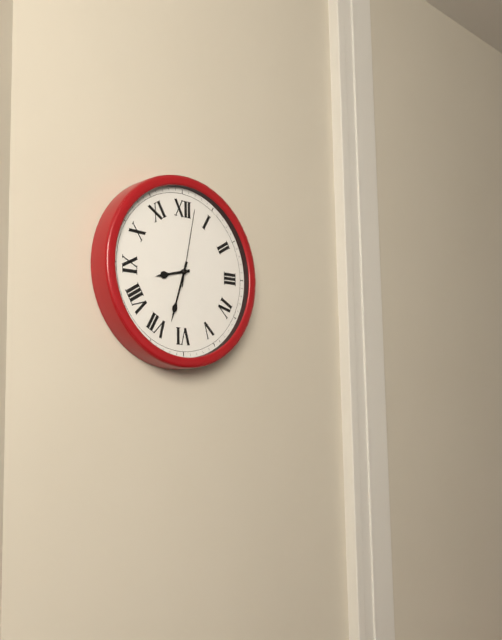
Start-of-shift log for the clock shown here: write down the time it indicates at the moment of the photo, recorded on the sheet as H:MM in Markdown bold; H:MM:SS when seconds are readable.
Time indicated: **8:33:02**
